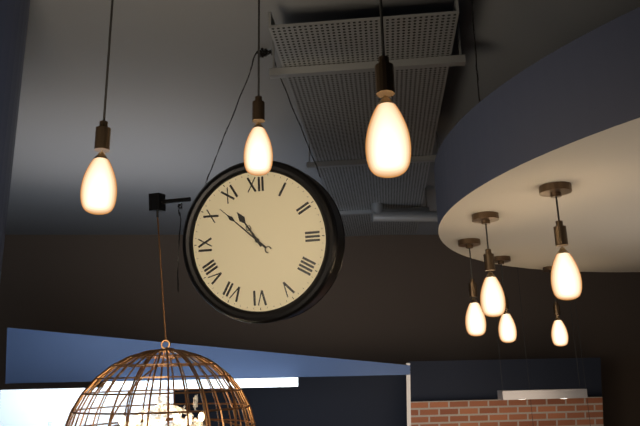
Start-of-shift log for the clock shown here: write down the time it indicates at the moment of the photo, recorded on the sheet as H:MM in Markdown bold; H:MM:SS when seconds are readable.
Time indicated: **10:52**
